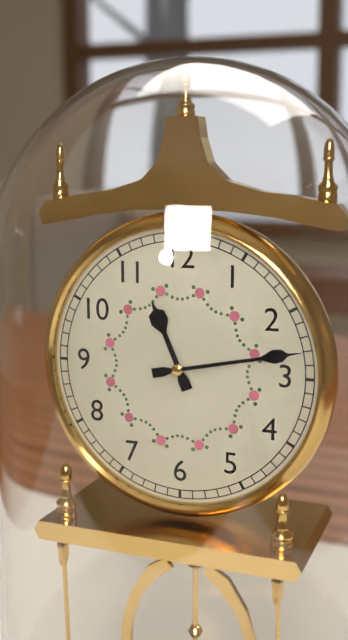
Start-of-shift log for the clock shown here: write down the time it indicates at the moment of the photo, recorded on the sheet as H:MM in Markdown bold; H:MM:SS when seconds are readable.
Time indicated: **11:13**
